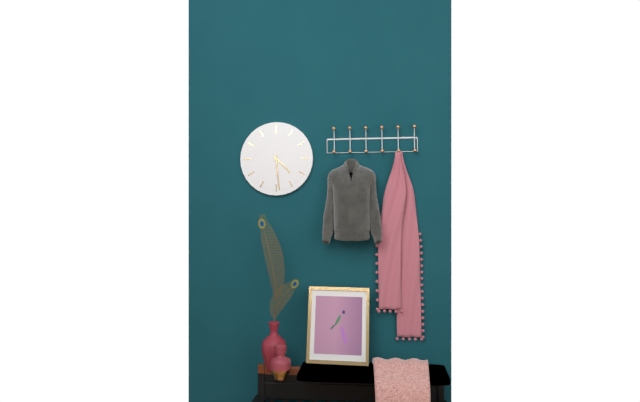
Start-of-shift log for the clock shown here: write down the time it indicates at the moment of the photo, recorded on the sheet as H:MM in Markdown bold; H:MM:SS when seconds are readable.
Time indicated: **4:29**
